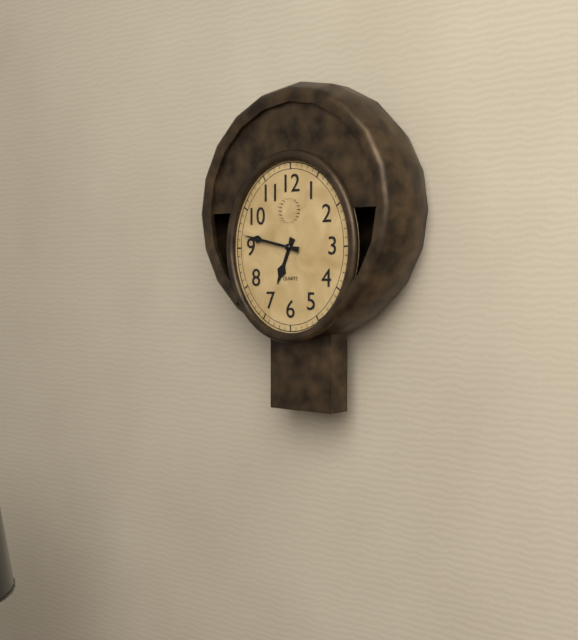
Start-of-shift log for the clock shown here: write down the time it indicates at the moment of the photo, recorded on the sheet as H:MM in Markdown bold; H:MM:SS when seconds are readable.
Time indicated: **6:47**
